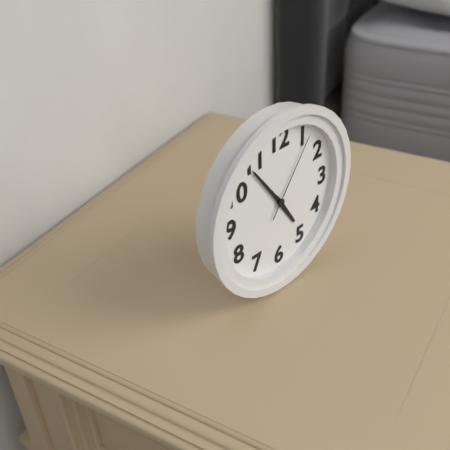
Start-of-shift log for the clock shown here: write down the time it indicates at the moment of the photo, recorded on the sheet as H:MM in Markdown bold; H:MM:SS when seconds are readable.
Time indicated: **4:54:06**
